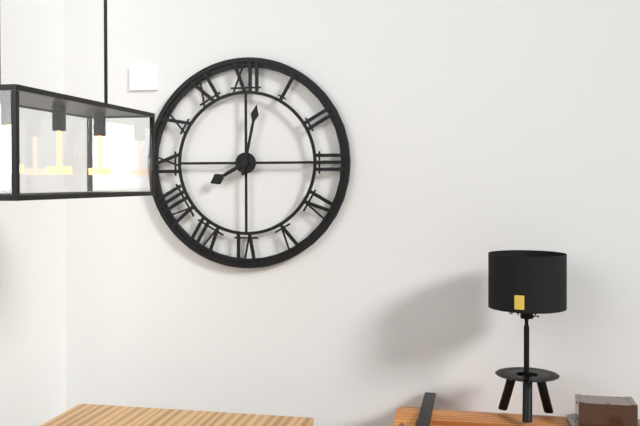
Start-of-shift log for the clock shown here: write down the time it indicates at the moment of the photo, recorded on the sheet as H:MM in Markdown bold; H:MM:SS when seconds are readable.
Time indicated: **8:02**
